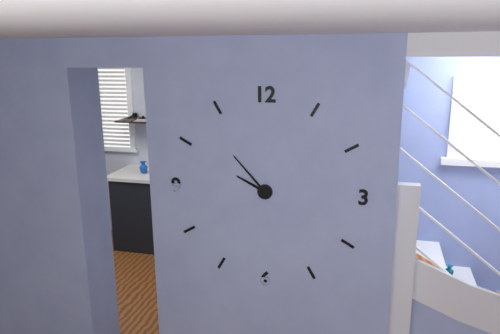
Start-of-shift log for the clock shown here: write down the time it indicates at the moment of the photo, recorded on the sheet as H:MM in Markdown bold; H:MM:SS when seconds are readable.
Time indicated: **9:53**
